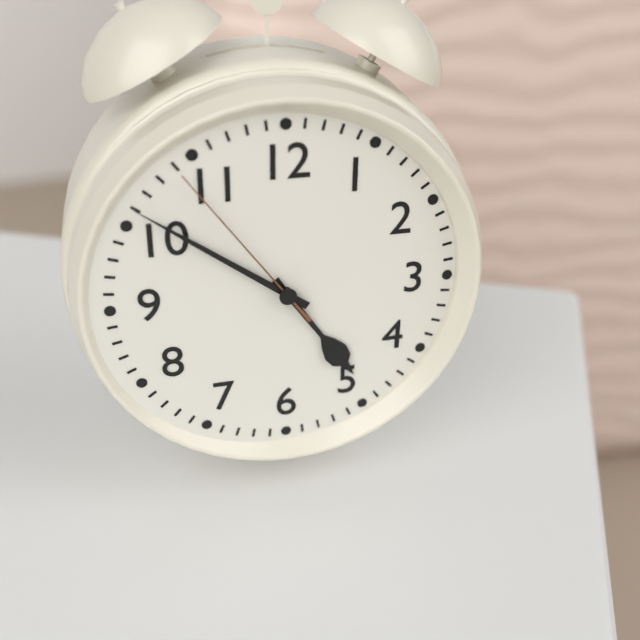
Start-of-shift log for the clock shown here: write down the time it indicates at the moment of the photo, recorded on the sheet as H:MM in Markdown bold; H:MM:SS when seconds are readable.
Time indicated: **4:51:54**
